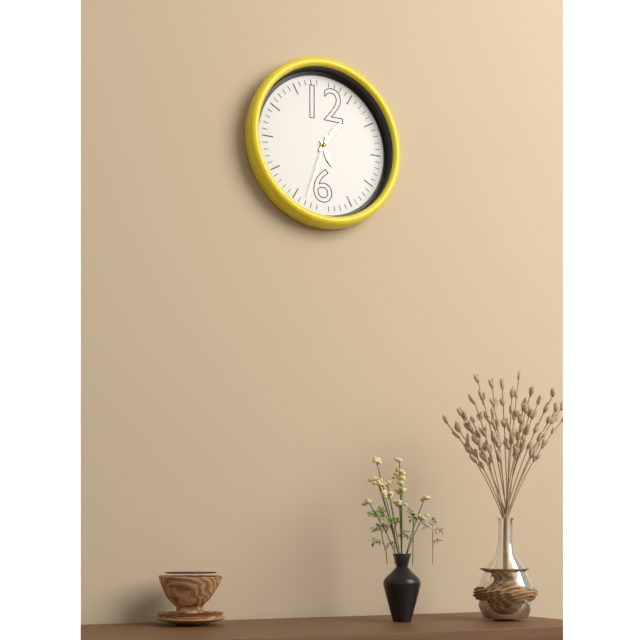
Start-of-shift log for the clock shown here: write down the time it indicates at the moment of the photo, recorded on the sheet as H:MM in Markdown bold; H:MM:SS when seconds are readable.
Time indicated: **5:06:33**
